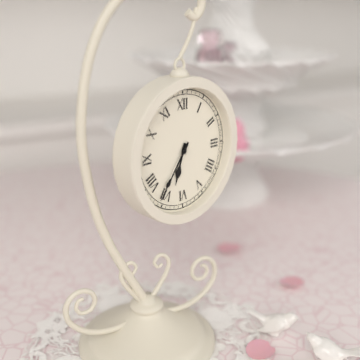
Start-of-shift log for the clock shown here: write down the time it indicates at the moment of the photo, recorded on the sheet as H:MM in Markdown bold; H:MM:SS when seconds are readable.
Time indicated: **6:36**
